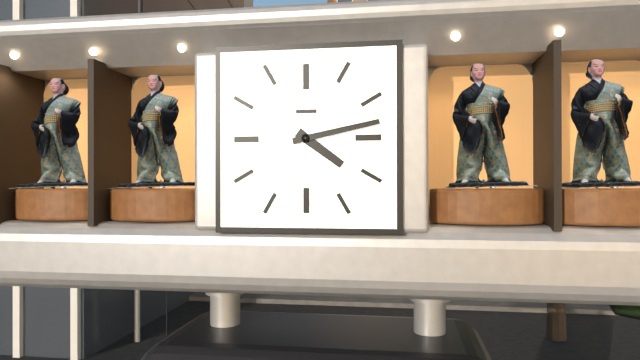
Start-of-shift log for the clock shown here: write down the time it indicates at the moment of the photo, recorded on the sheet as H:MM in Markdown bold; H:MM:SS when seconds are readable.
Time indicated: **4:13**
